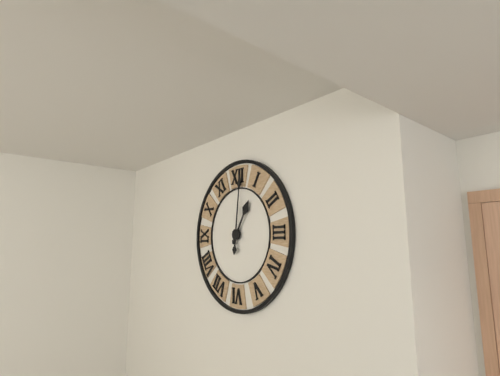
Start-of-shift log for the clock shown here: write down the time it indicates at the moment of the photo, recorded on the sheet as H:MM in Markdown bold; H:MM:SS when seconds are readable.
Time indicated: **1:01**
